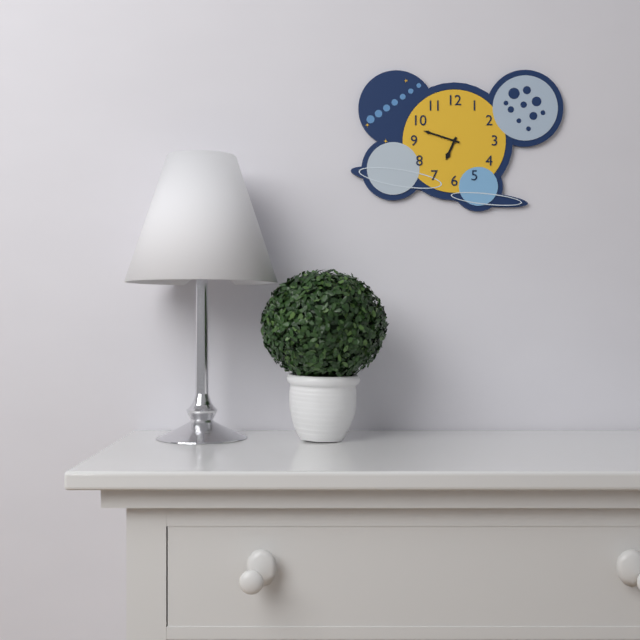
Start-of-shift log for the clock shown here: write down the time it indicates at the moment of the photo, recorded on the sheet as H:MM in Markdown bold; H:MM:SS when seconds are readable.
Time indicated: **6:48**
